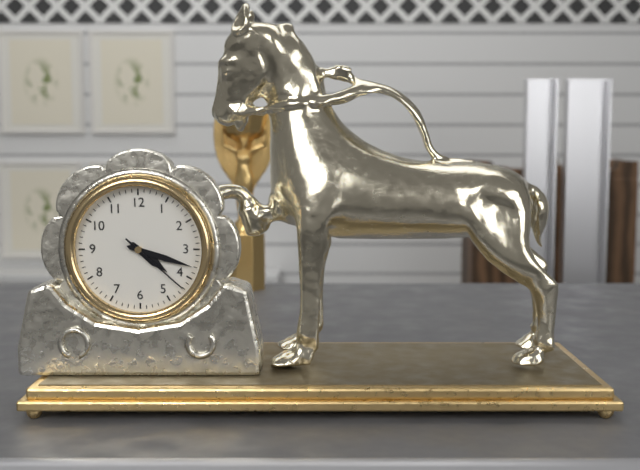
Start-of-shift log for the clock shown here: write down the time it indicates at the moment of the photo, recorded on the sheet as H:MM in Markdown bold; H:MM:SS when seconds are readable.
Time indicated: **4:18:22**
